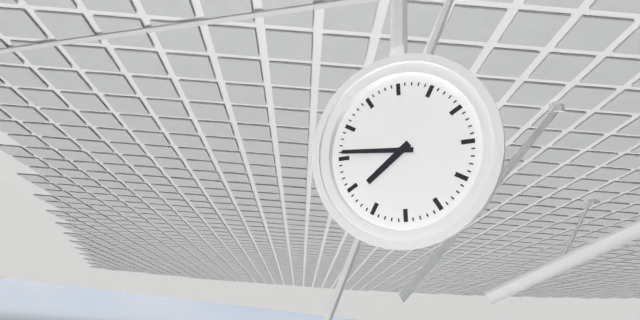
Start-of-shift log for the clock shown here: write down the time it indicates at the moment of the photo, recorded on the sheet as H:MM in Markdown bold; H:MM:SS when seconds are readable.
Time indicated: **7:46**
